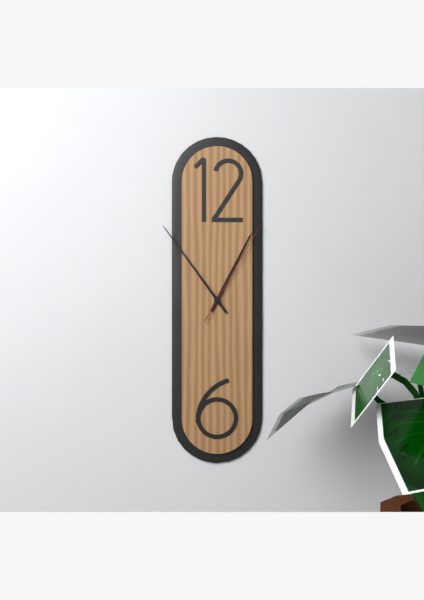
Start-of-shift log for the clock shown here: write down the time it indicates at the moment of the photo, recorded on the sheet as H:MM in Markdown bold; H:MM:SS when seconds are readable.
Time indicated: **12:54:05**
